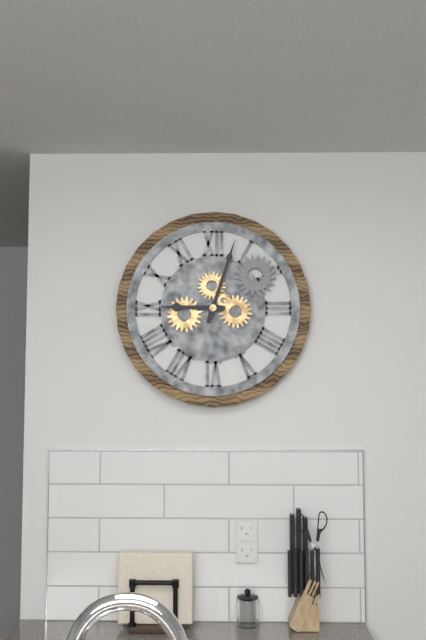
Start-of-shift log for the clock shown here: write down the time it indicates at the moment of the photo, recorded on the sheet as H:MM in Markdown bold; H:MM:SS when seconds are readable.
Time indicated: **9:03**
